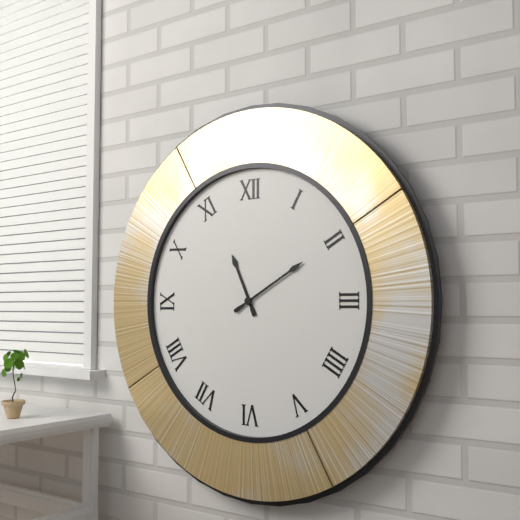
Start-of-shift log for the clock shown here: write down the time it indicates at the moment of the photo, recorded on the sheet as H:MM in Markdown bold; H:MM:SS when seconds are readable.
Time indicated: **11:10**
